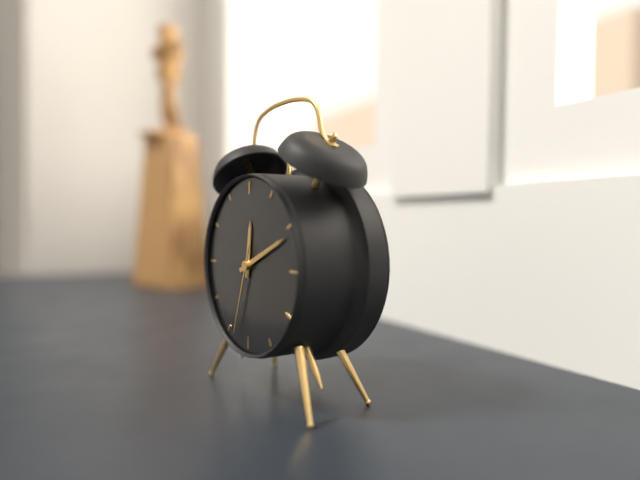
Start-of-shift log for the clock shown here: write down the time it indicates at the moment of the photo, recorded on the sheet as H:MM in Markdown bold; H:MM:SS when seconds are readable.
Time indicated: **12:11:33**
